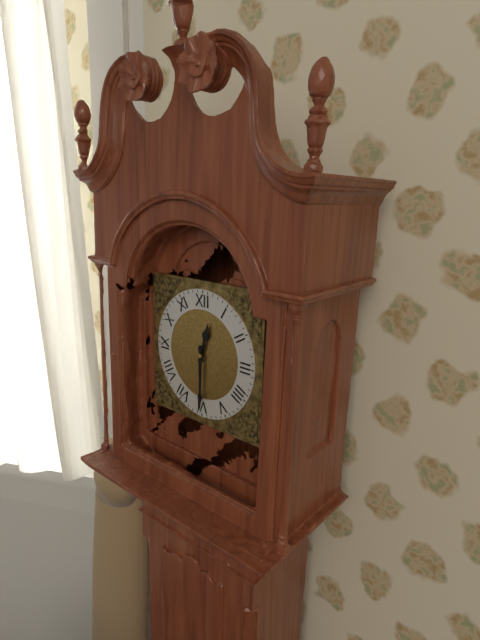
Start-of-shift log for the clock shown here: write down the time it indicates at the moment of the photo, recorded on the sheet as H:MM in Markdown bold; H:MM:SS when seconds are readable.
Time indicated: **12:30**
